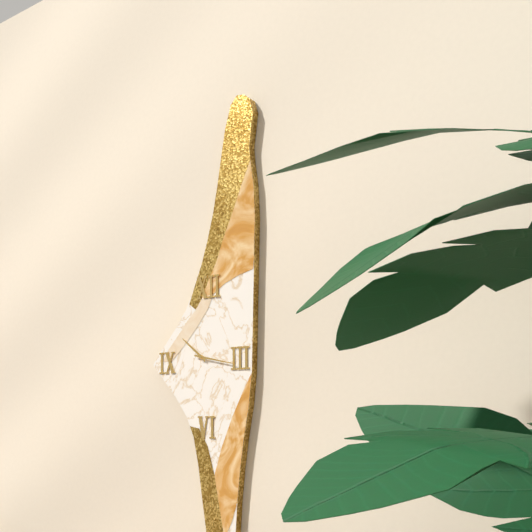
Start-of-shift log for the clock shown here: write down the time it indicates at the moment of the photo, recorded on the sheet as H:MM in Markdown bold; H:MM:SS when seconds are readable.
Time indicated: **10:17**
